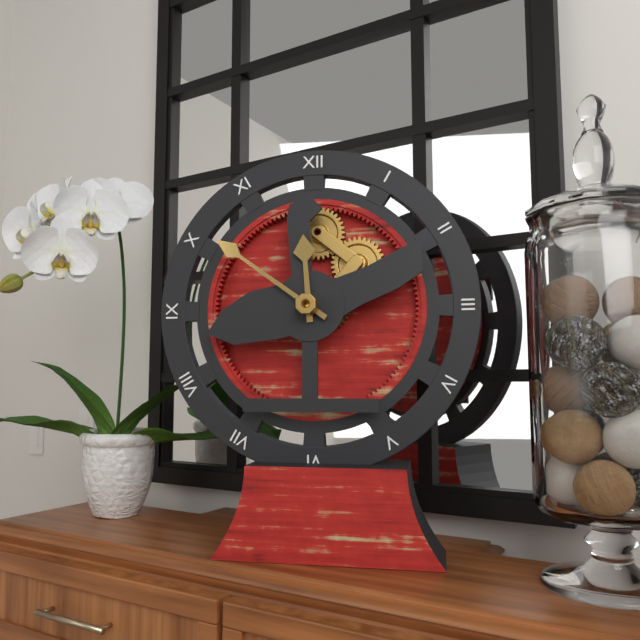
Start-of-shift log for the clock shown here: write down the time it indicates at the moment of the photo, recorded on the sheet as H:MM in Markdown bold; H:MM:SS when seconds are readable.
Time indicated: **11:51**
